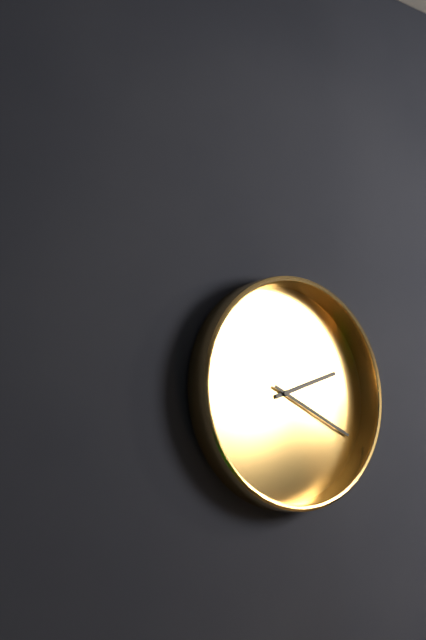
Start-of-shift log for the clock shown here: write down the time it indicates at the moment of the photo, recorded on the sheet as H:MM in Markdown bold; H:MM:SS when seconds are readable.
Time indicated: **2:19**
